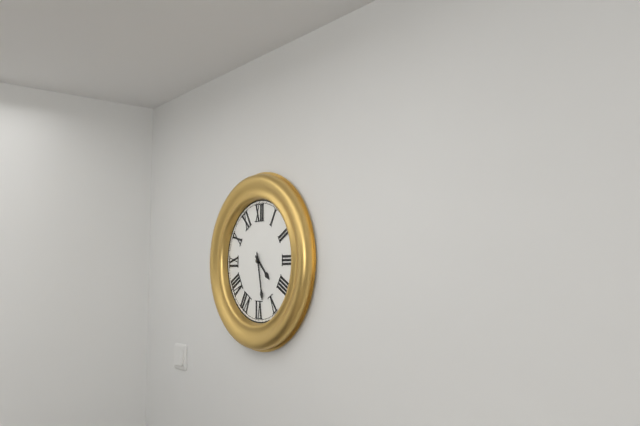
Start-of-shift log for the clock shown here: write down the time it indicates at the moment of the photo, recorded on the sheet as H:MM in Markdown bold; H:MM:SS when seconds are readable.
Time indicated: **4:28**
